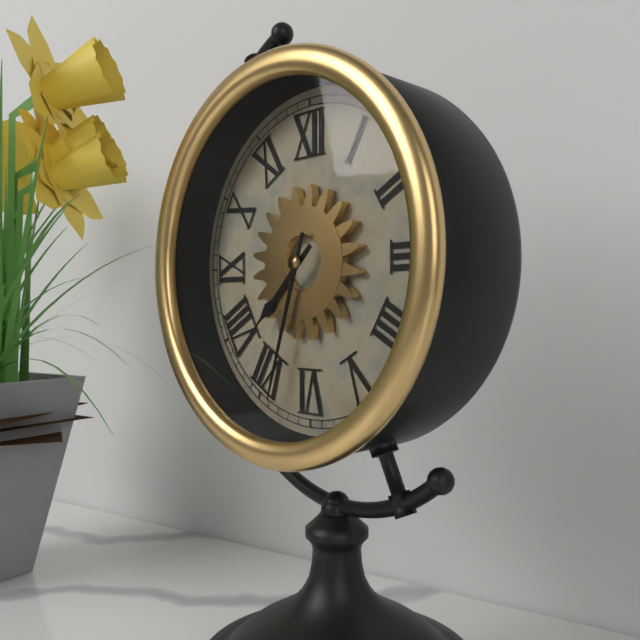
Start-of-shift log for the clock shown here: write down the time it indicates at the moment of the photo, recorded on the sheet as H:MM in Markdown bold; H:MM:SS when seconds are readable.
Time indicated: **7:33**
